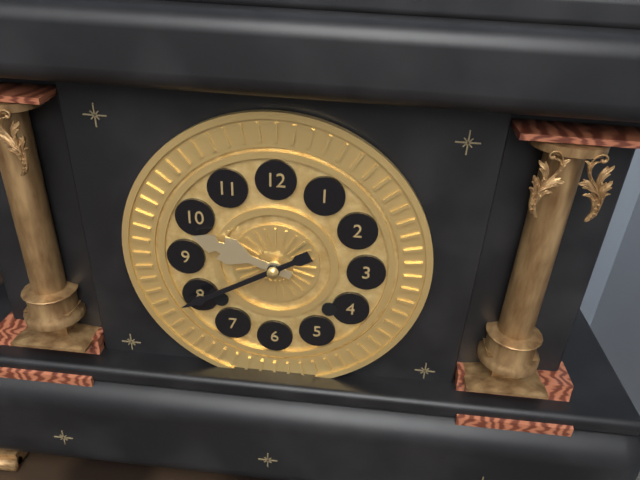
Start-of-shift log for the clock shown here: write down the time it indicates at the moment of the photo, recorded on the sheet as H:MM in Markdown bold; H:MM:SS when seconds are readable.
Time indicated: **9:40**
